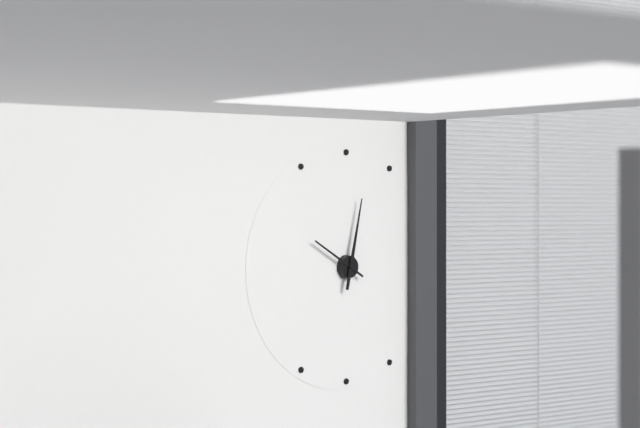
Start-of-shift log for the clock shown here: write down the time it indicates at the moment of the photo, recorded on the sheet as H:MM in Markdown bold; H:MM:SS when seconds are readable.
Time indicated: **10:02**
